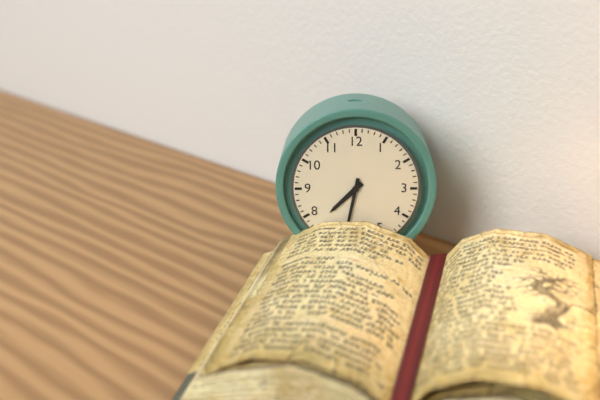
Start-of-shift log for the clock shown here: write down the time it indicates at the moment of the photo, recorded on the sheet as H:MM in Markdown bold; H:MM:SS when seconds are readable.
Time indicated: **7:32**
